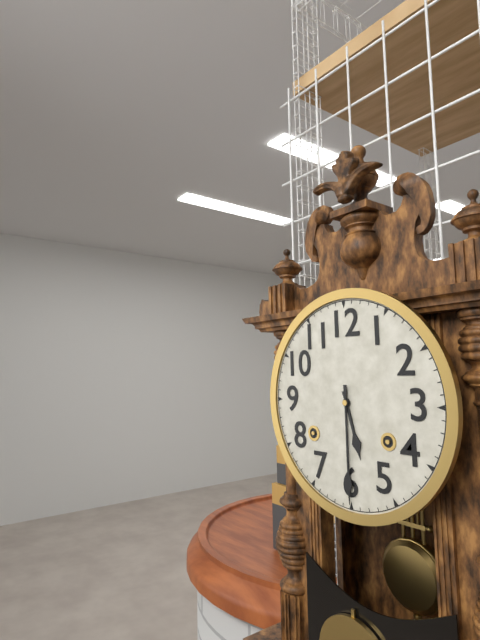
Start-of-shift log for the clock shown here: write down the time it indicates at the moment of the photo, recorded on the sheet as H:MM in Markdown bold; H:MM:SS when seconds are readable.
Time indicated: **5:30**
